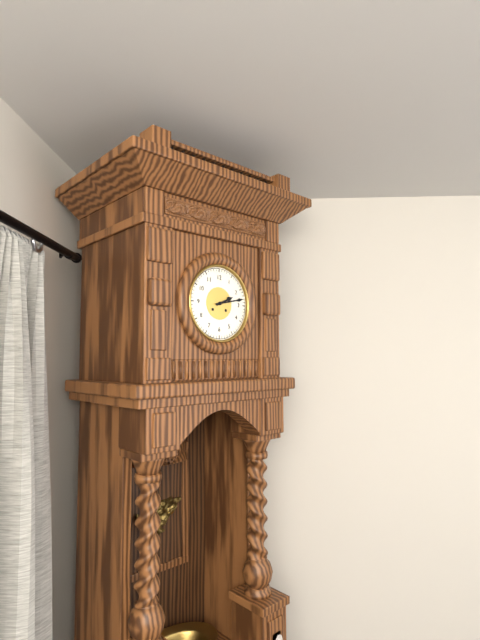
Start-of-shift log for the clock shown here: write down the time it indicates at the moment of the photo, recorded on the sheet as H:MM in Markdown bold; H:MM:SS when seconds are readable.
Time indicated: **2:13**
